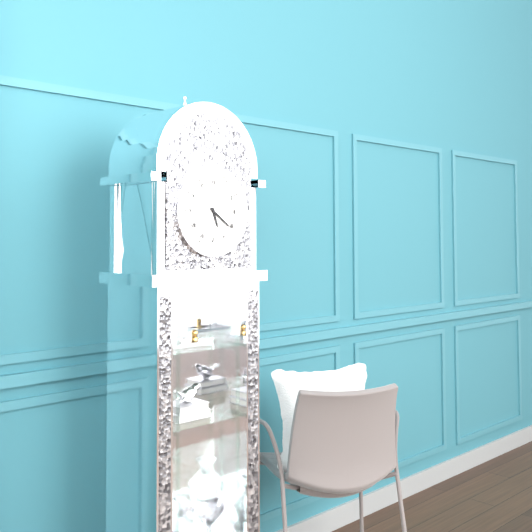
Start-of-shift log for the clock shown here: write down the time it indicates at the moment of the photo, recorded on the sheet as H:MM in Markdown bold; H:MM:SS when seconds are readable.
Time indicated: **5:21**
